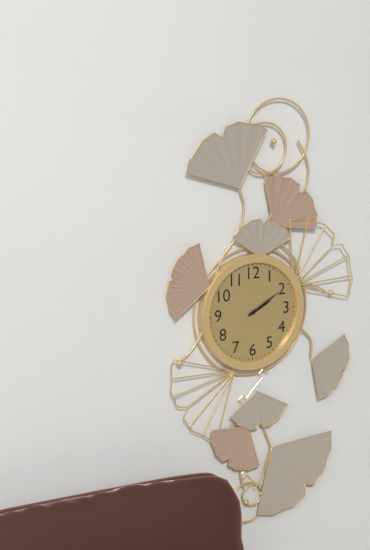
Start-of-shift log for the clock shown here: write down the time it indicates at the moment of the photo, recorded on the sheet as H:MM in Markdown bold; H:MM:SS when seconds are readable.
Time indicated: **2:10**
